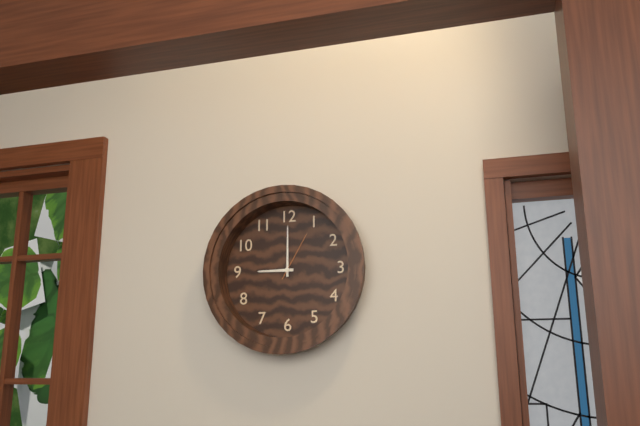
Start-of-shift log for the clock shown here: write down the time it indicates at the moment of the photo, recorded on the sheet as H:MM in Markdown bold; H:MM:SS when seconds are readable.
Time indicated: **9:00:05**
